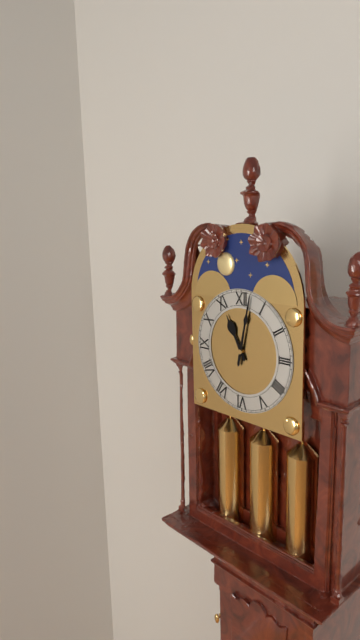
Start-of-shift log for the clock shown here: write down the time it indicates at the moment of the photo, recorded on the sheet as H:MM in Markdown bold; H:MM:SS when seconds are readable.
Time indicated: **11:02**
